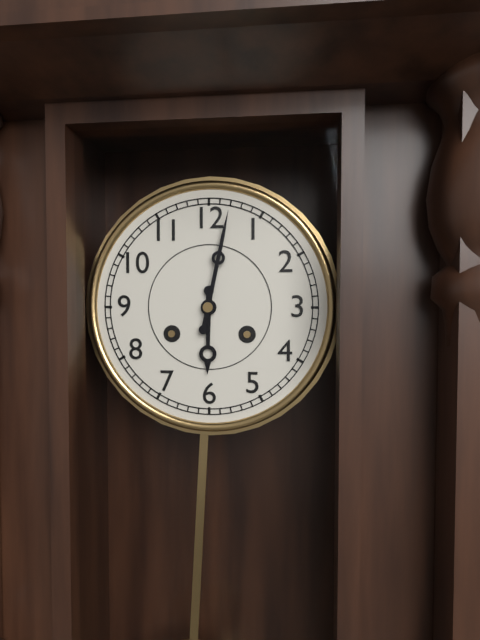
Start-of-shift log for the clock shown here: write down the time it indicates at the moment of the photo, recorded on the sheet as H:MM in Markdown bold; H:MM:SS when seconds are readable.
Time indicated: **6:02**
